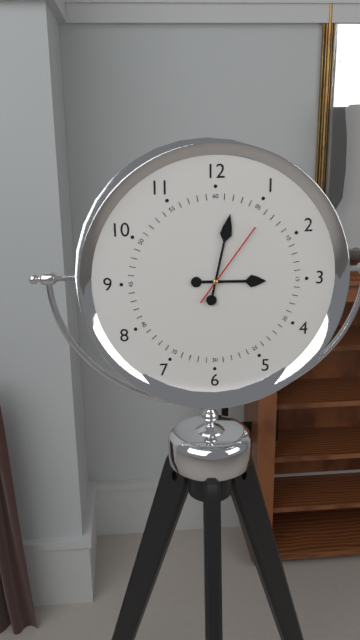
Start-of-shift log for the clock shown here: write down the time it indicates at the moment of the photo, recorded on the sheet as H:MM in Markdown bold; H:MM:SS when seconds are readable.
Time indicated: **3:02:06**
